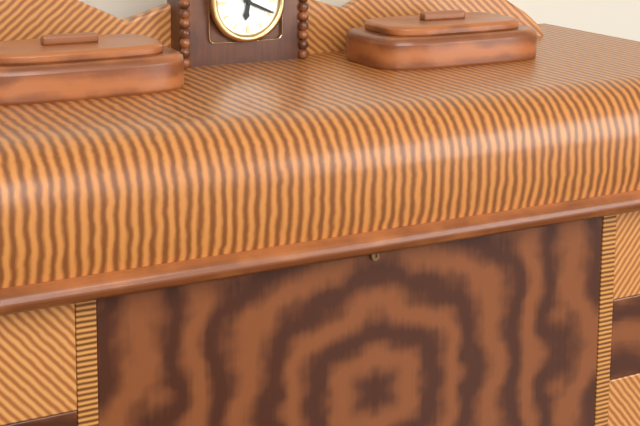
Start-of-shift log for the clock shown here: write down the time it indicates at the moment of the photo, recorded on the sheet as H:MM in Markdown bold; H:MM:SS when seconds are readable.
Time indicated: **6:19**
